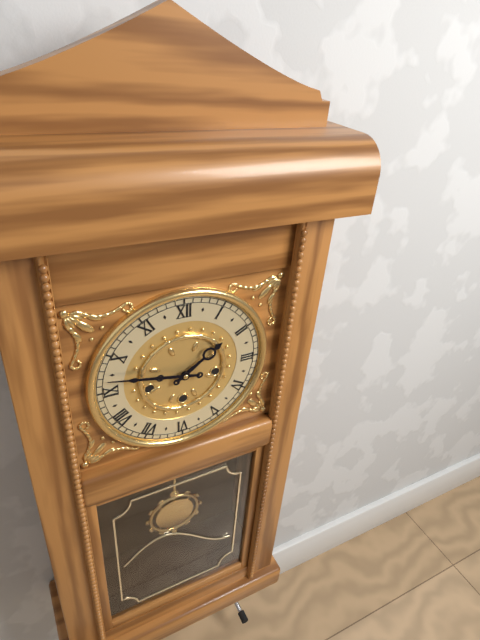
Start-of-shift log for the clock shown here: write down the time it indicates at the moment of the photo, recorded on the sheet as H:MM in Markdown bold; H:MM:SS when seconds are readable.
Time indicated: **1:47**
